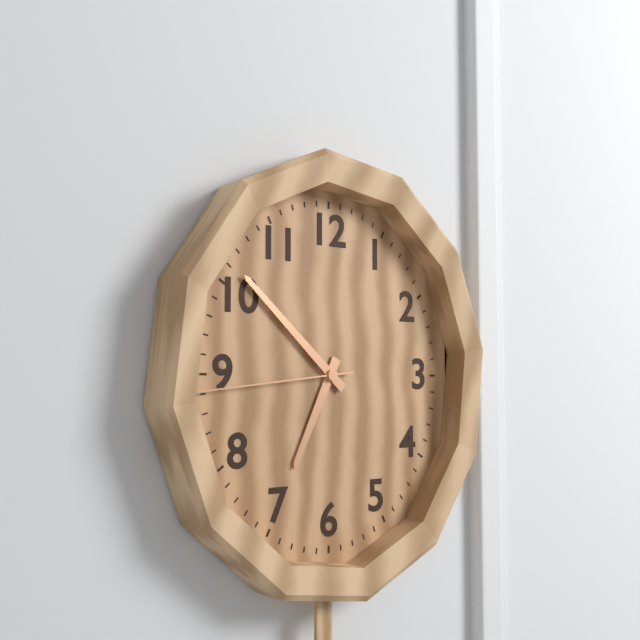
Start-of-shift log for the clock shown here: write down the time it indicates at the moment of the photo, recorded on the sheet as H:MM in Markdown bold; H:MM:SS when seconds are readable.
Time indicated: **6:52:44**
